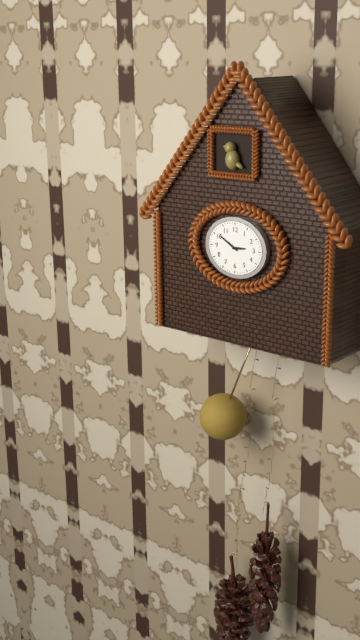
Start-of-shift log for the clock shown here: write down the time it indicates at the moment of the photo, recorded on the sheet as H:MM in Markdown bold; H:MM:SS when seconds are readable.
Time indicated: **2:50**
